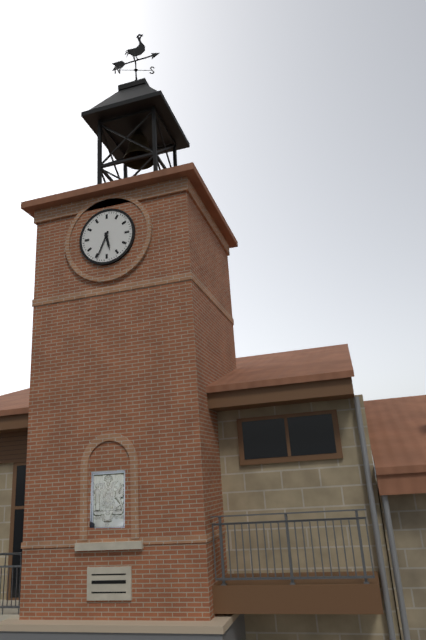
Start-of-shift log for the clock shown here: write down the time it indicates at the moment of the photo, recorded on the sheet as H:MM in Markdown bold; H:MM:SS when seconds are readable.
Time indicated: **5:34**
